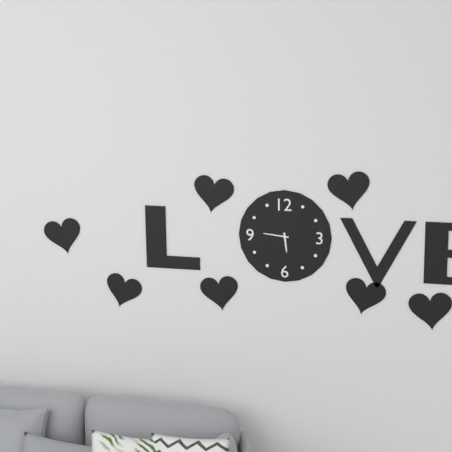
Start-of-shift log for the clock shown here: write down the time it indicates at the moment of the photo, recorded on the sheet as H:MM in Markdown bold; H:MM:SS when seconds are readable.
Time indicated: **5:46**
